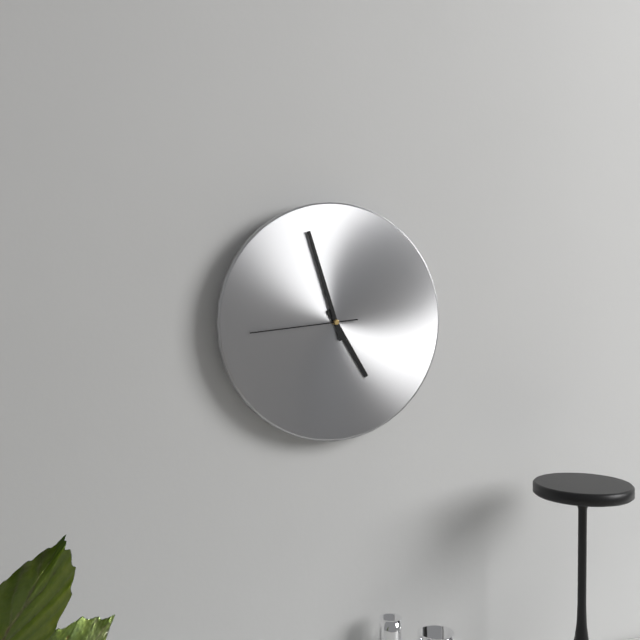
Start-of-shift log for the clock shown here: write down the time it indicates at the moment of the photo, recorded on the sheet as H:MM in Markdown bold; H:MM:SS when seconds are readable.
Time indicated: **4:57:44**
